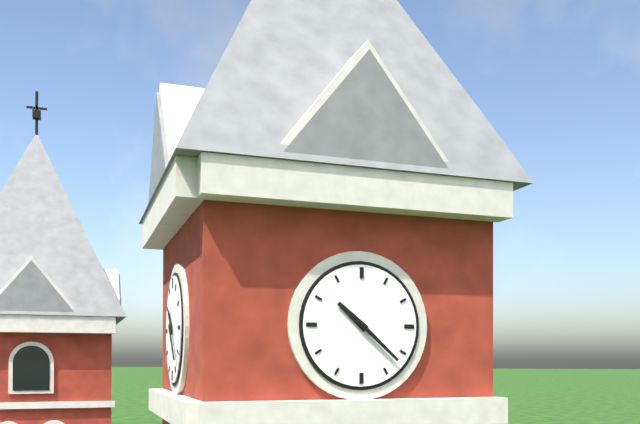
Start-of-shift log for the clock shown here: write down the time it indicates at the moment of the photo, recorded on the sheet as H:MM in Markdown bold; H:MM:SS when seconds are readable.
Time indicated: **10:22**
